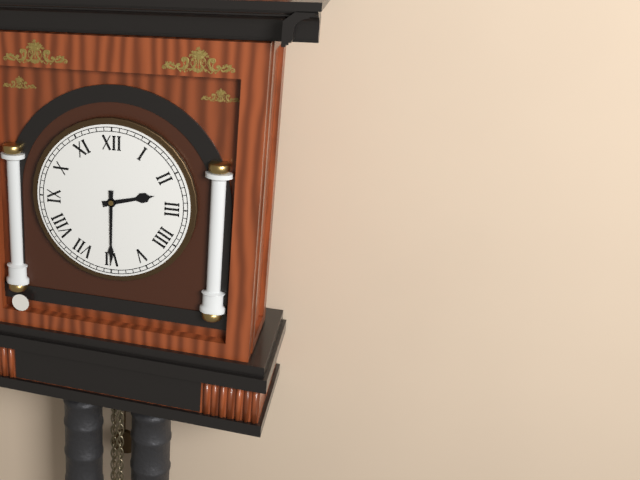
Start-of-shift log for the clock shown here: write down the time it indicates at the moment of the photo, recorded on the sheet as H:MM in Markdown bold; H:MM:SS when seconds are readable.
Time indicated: **2:30**
